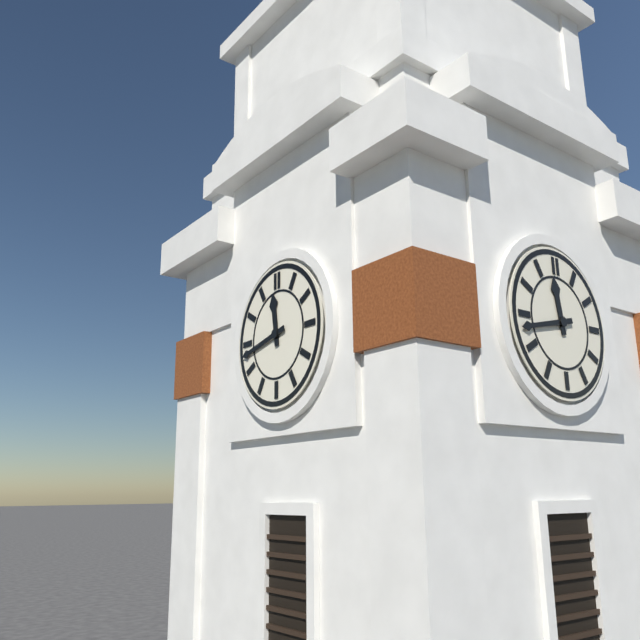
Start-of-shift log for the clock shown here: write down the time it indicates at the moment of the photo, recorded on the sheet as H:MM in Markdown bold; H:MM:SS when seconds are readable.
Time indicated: **11:43**
